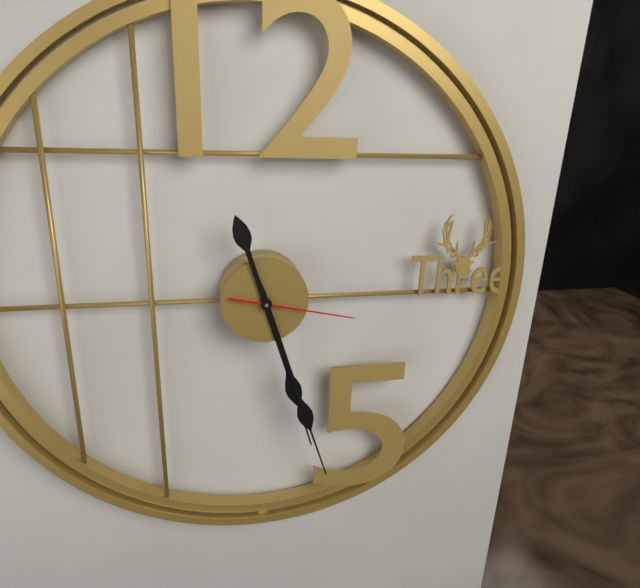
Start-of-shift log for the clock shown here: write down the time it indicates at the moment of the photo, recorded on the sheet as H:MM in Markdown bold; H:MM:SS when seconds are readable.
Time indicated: **5:27:17**
